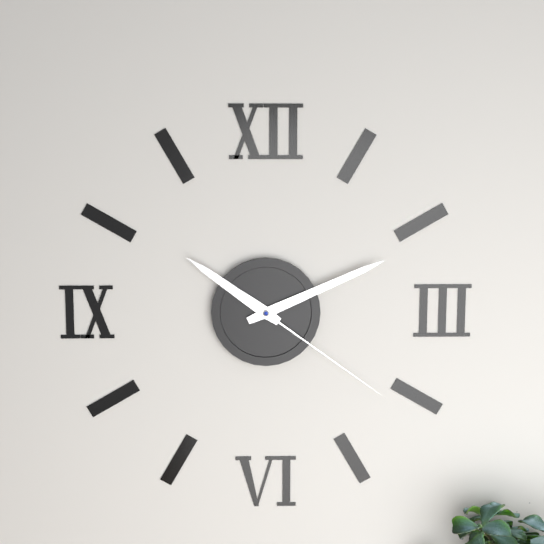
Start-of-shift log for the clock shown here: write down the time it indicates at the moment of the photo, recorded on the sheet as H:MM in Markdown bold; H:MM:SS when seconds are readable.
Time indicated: **10:11:21**
